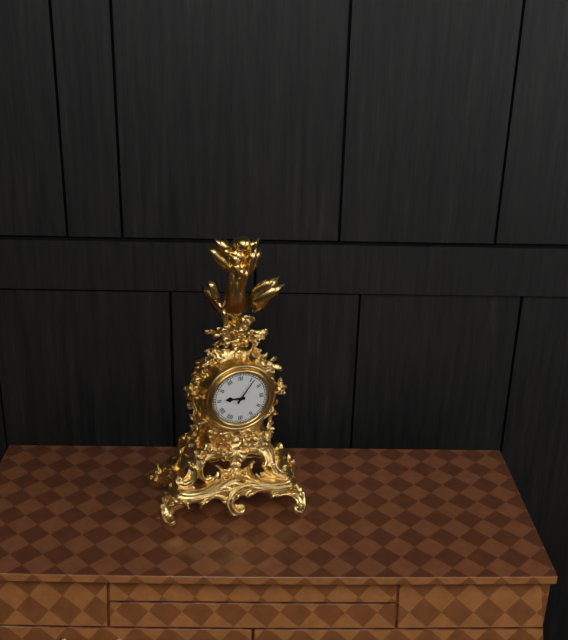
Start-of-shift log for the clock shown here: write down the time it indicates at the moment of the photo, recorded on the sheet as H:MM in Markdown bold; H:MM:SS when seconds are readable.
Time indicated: **9:06**
